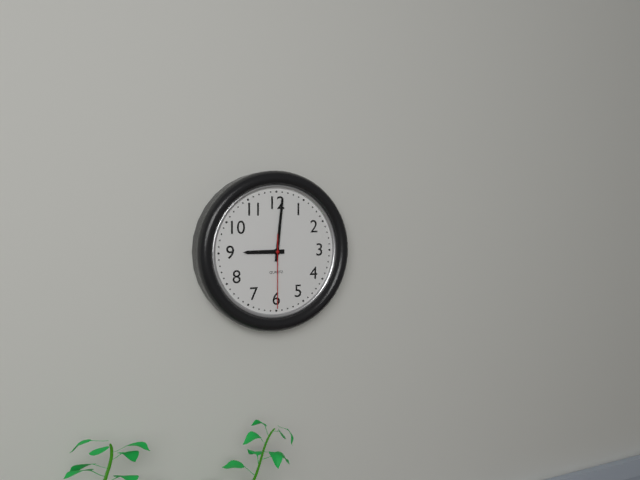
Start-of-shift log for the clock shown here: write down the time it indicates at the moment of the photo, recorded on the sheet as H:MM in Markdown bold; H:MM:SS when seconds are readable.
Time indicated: **9:01:30**
